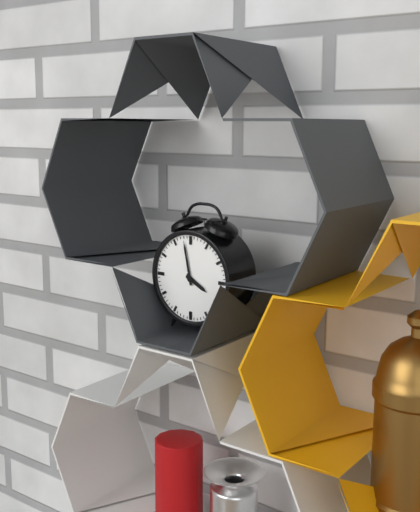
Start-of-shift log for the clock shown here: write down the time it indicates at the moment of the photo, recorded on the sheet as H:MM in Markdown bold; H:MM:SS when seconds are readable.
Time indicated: **3:58**
